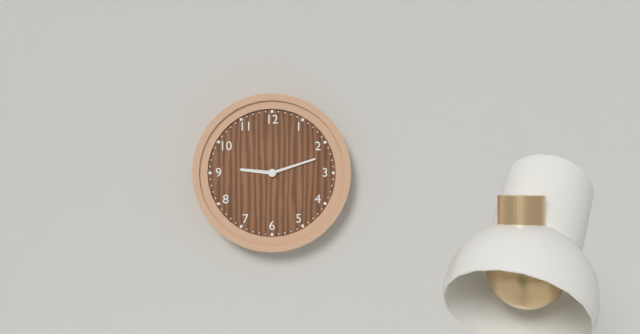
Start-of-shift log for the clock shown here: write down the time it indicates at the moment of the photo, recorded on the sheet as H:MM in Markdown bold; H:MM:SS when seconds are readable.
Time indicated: **9:12**
